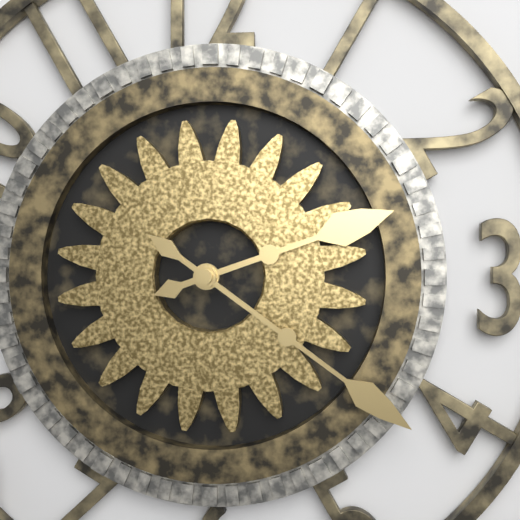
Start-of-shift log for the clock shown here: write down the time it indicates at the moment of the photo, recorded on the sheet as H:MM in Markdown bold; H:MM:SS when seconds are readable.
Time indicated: **2:21**
